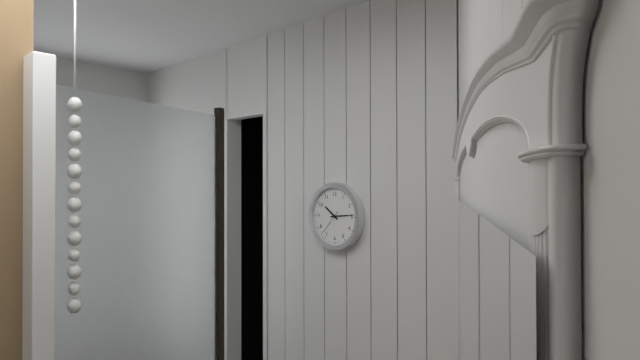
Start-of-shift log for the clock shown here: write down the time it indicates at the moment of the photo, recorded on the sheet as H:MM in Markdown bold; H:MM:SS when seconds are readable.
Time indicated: **10:14**
